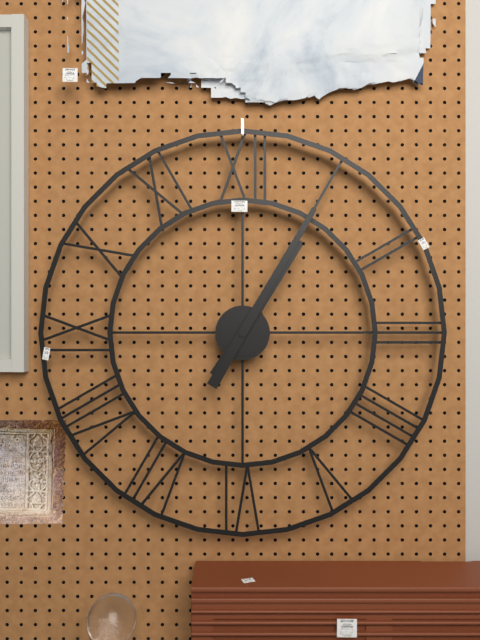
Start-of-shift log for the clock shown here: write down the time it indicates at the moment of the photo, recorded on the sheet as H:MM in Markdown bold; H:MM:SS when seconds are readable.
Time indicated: **1:05**
